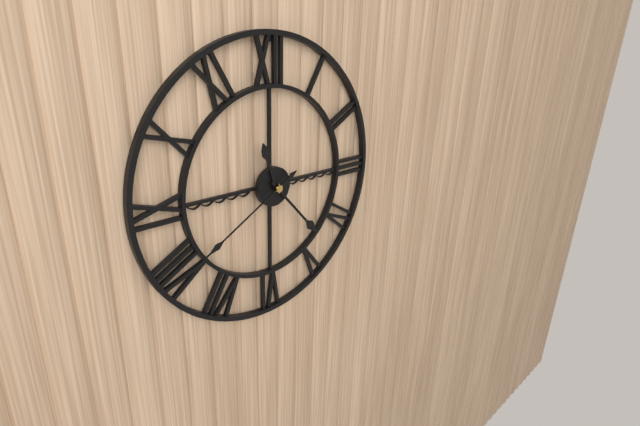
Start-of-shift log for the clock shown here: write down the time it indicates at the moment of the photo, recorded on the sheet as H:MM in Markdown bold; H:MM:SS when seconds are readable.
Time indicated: **11:23:40**
